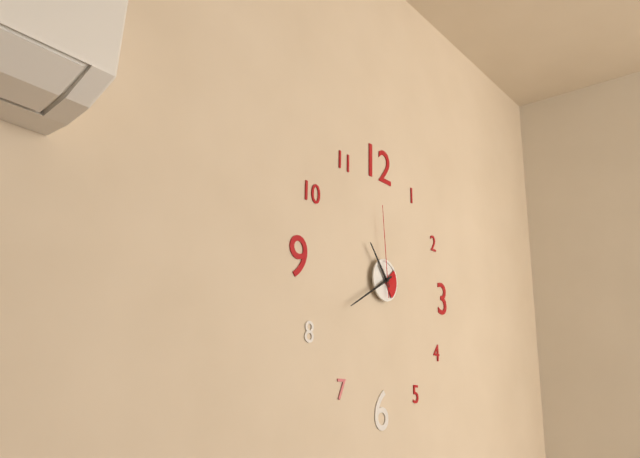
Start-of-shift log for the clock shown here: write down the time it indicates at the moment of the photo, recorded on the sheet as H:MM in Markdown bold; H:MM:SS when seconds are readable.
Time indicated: **10:40:59**
